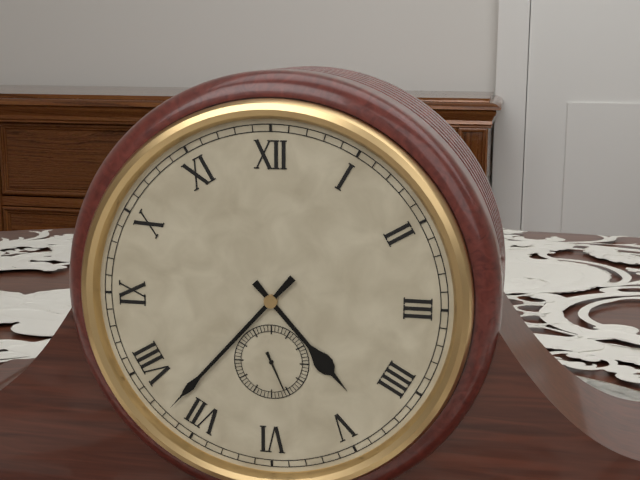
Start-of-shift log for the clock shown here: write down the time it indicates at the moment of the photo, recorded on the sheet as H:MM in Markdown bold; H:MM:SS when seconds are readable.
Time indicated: **4:37:26**
